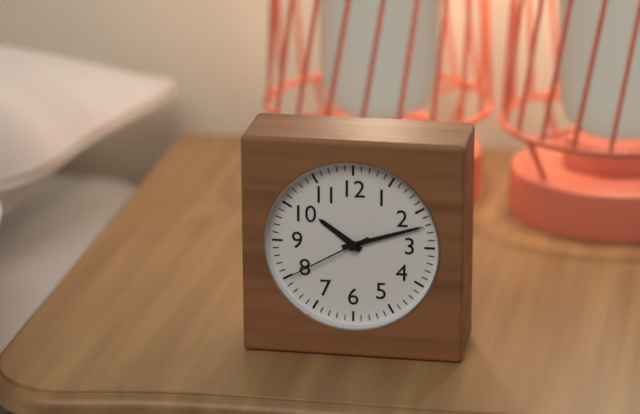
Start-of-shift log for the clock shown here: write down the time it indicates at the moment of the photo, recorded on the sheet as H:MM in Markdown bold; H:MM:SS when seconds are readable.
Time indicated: **10:12:40**
